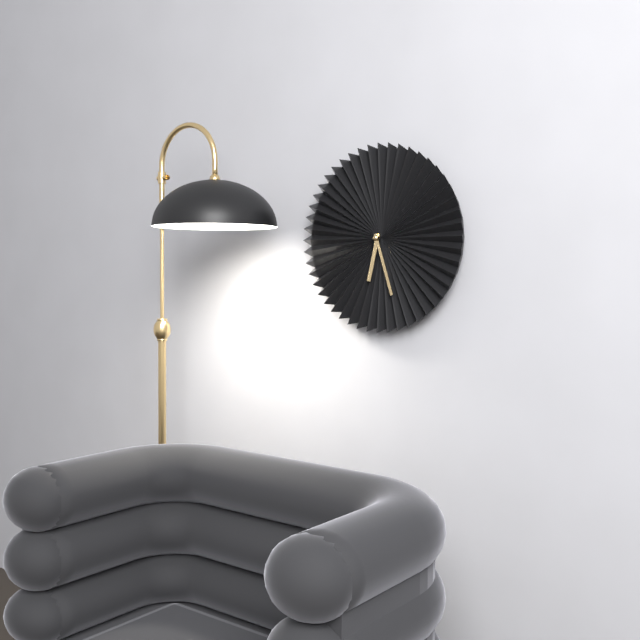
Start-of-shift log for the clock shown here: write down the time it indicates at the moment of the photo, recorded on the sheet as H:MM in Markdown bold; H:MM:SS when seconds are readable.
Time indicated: **6:27**
